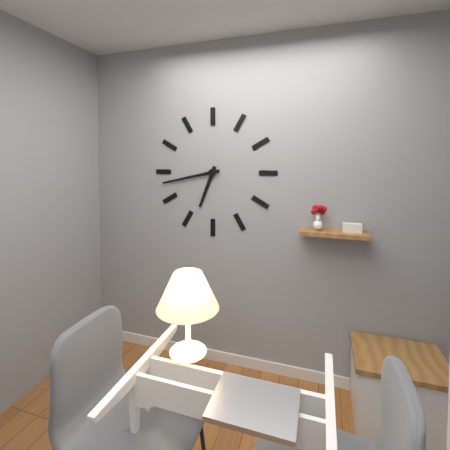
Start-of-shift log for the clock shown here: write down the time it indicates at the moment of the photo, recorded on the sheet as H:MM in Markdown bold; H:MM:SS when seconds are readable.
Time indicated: **6:43**
